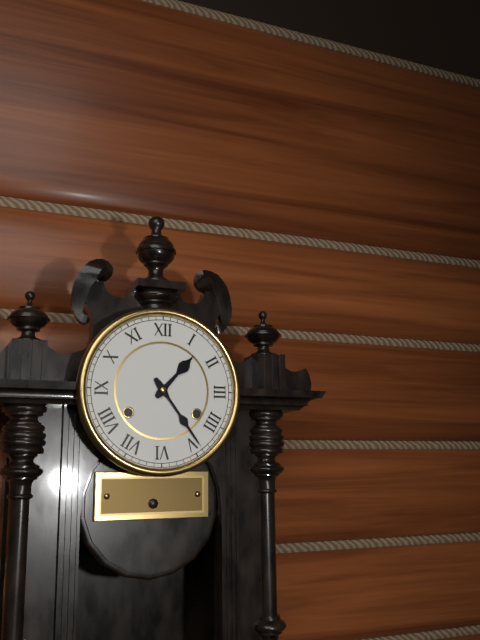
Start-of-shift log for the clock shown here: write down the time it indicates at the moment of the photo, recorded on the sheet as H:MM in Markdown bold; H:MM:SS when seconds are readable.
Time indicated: **1:24**
